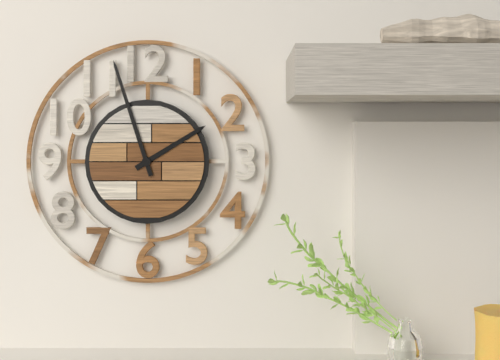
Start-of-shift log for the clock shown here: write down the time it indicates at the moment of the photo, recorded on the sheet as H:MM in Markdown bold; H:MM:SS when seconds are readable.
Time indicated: **1:57**
